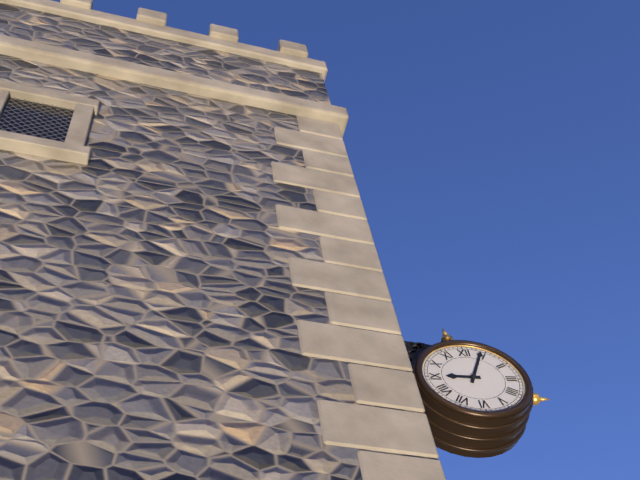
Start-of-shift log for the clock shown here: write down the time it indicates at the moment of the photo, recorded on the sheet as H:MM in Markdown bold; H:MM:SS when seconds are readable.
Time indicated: **9:04**
